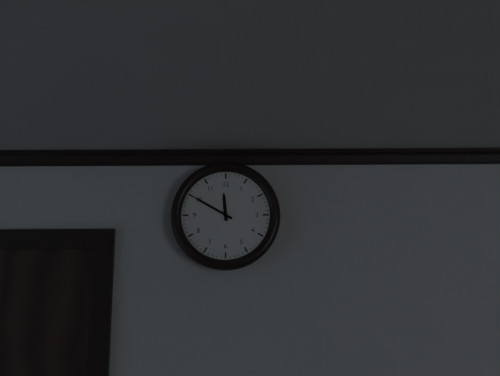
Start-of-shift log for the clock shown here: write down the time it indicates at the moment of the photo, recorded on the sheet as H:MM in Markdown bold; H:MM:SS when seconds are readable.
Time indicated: **11:50**
